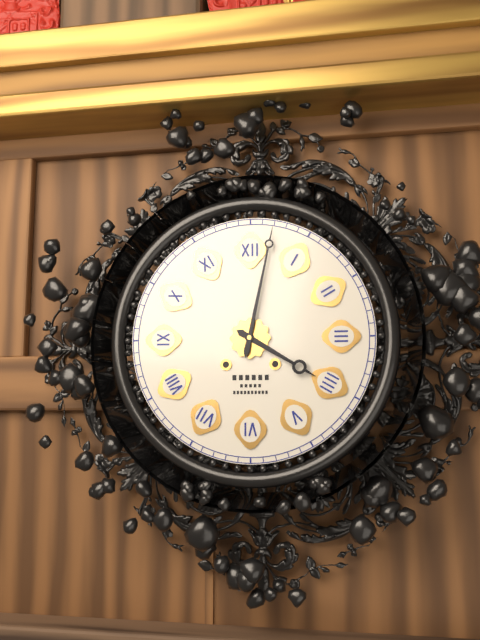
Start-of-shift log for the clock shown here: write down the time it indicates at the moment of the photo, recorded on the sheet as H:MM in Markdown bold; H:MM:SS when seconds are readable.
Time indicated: **4:02**
